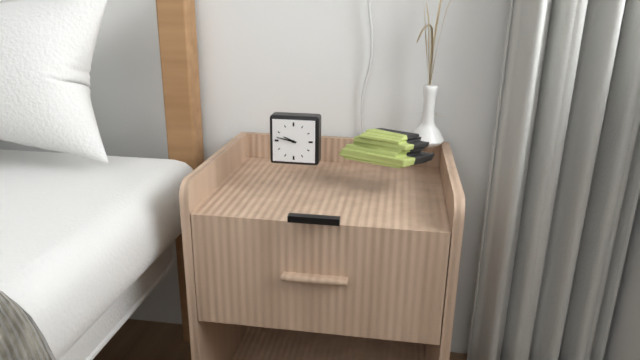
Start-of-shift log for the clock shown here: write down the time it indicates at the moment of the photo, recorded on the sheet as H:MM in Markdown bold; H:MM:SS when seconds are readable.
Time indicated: **9:47**
